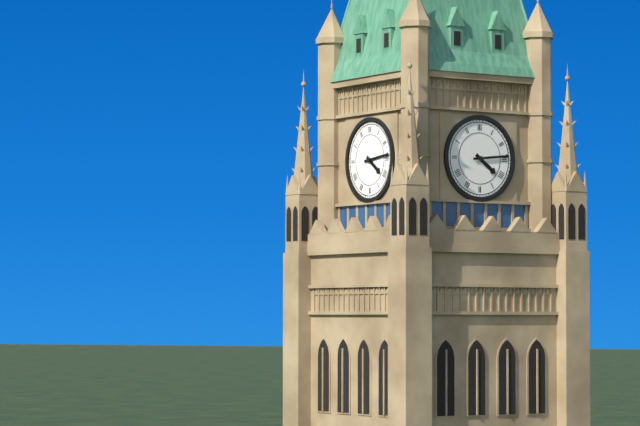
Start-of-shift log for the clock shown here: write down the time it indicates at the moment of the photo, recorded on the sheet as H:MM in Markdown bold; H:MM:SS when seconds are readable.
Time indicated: **4:14**
